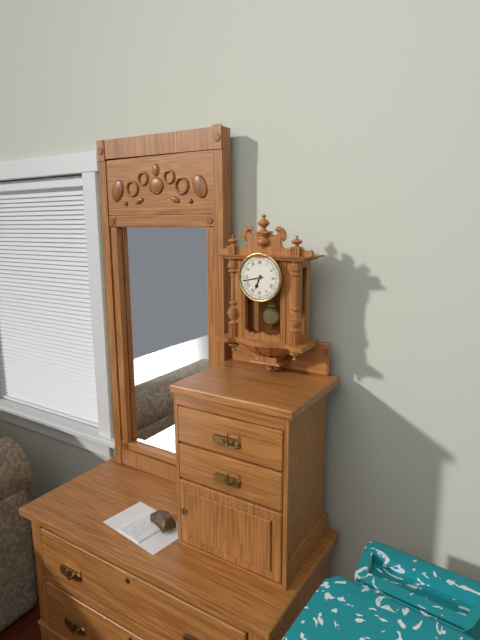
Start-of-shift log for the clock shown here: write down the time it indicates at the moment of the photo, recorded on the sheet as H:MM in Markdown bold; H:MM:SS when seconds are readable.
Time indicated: **6:43**
